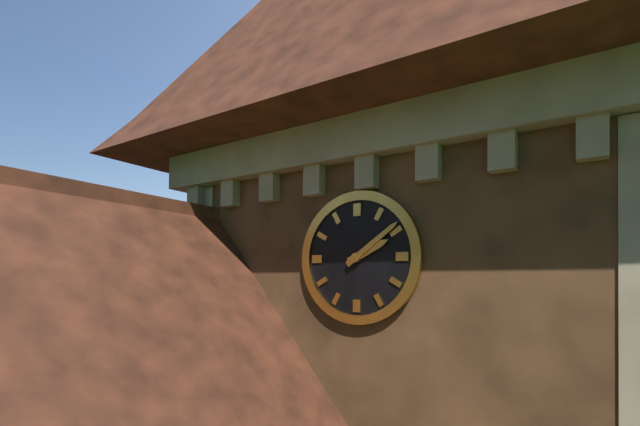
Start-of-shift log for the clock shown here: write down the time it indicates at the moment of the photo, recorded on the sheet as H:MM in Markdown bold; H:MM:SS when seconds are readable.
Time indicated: **2:09**
